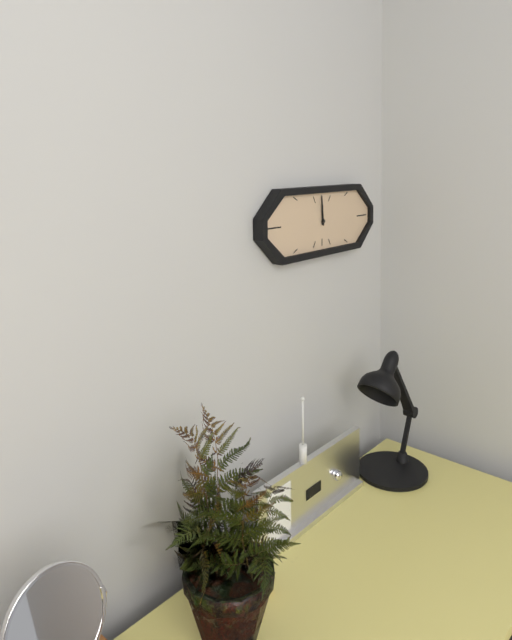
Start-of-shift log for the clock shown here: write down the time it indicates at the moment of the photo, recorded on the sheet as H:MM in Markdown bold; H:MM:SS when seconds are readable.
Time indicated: **11:59**
